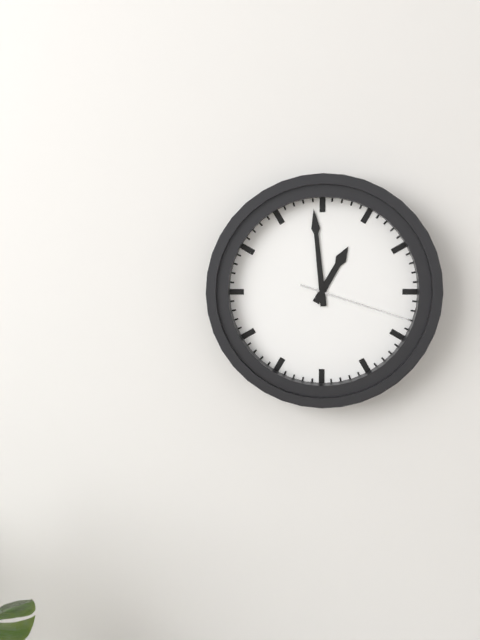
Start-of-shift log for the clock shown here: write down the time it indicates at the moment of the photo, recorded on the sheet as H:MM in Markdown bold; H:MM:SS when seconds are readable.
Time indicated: **12:59:18**
